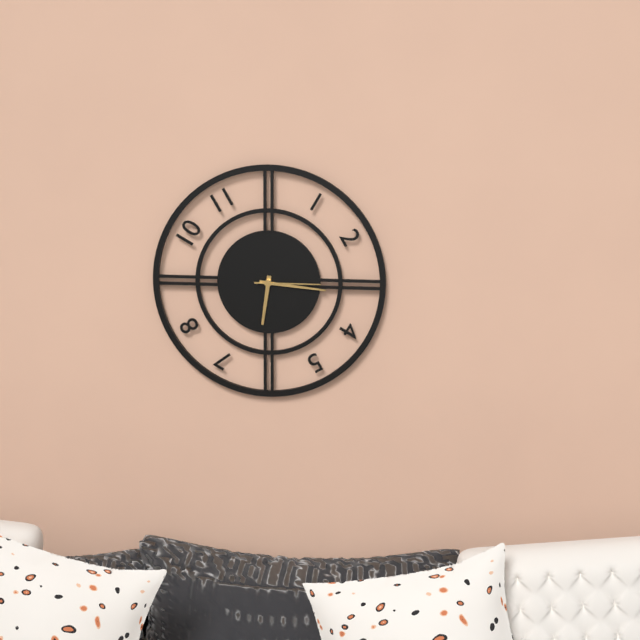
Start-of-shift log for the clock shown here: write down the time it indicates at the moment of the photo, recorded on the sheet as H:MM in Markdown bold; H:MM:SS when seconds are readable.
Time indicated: **6:16:15**
